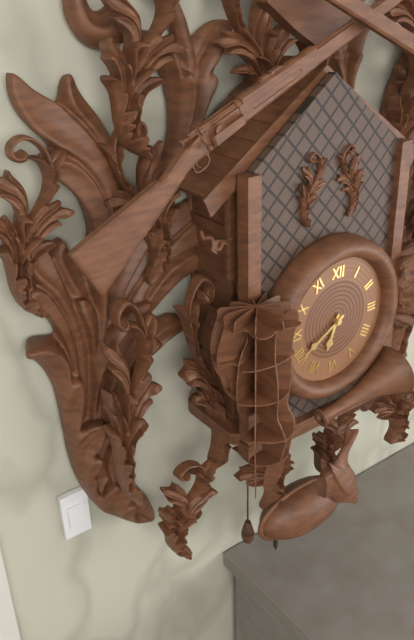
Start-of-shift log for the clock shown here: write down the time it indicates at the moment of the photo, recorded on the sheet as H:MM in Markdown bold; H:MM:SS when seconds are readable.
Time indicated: **6:40**
